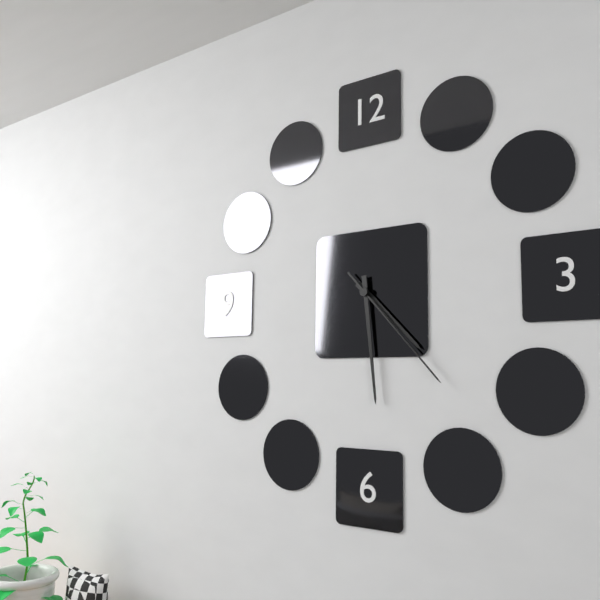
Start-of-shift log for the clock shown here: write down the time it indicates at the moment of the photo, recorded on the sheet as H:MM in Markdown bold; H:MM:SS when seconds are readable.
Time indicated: **4:29:23**
